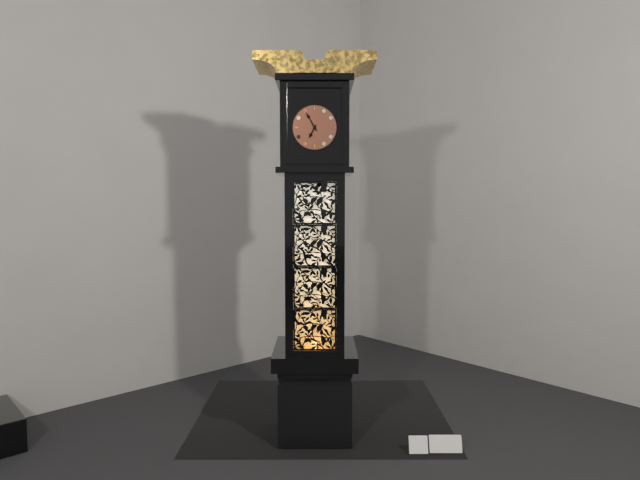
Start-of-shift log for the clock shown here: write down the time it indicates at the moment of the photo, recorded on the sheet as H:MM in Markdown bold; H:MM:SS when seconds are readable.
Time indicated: **6:55**
